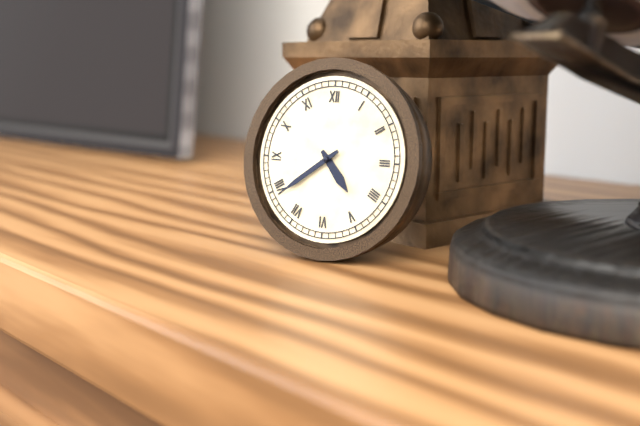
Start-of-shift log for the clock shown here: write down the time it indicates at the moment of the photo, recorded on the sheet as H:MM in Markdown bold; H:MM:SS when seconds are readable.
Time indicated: **4:39**
